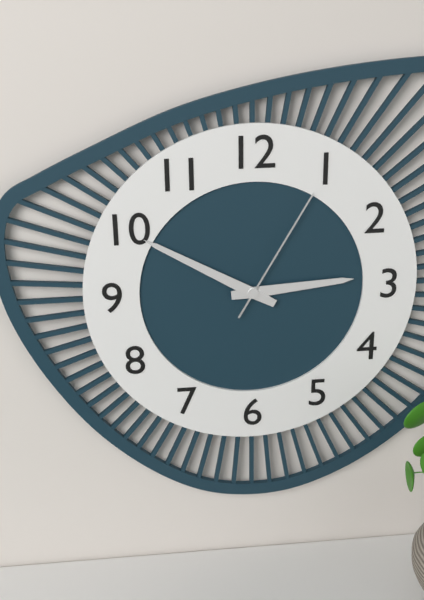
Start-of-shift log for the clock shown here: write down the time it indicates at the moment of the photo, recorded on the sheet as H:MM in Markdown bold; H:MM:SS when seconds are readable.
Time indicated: **2:50:05**
